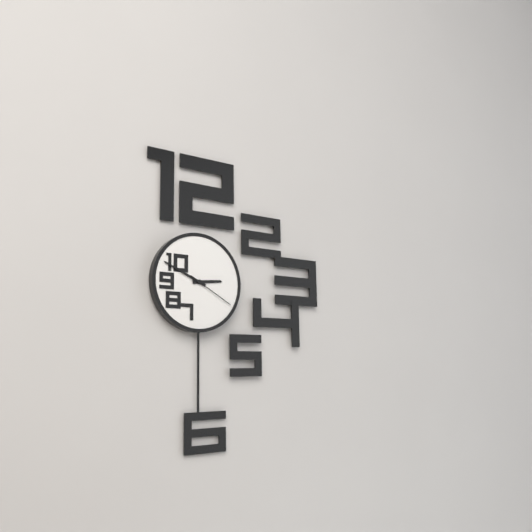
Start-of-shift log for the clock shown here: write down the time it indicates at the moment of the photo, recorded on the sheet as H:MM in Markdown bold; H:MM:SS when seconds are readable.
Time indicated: **2:49**
